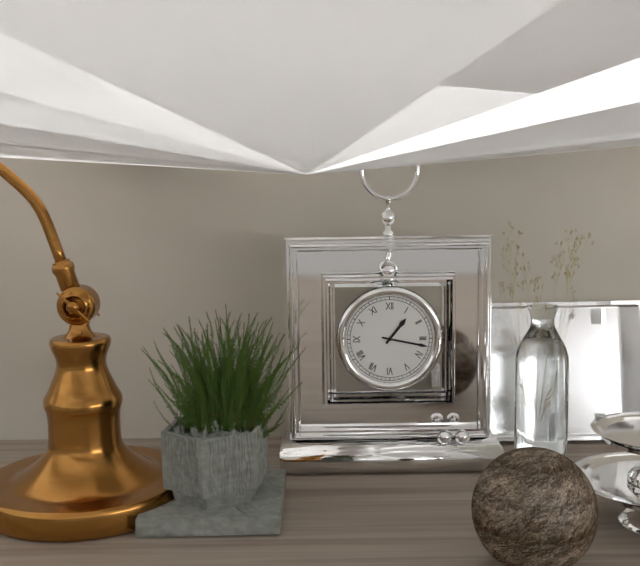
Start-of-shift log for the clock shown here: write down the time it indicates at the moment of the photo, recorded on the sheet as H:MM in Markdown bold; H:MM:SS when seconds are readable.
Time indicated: **1:17**
